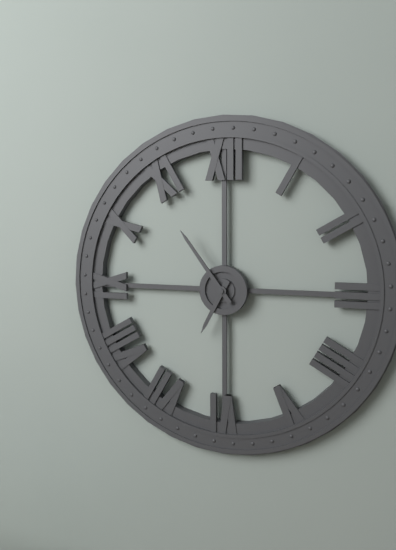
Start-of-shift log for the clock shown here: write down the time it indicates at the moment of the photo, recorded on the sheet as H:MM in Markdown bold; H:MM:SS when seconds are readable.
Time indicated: **6:54**
